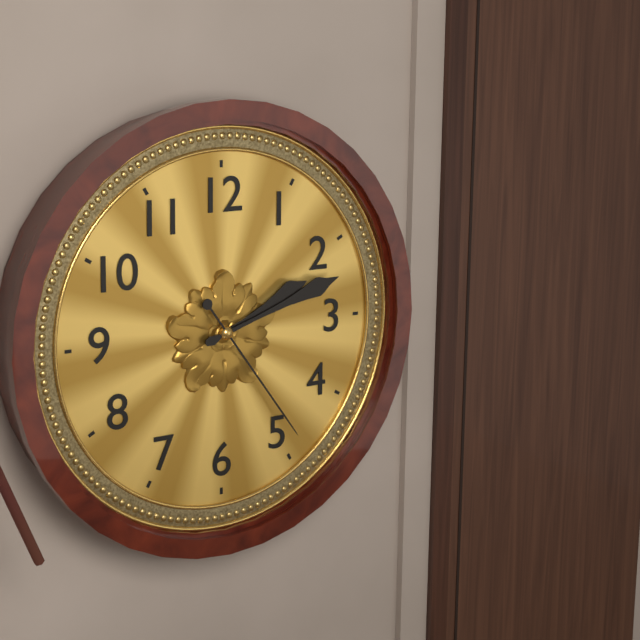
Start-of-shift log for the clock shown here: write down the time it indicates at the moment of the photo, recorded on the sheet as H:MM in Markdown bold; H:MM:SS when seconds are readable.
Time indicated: **2:12:24**
